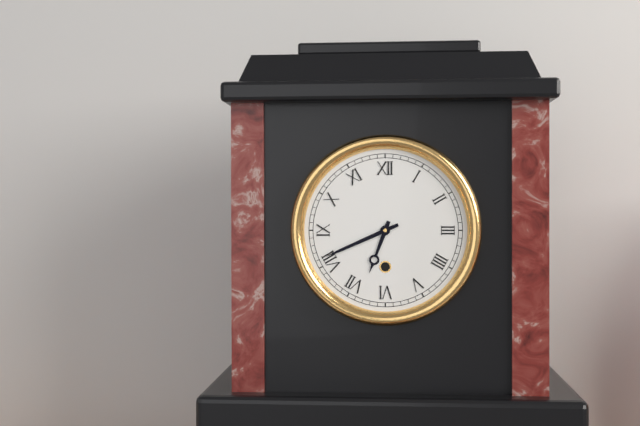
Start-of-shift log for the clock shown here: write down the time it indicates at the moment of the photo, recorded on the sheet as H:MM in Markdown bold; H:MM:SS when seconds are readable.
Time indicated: **6:41**
